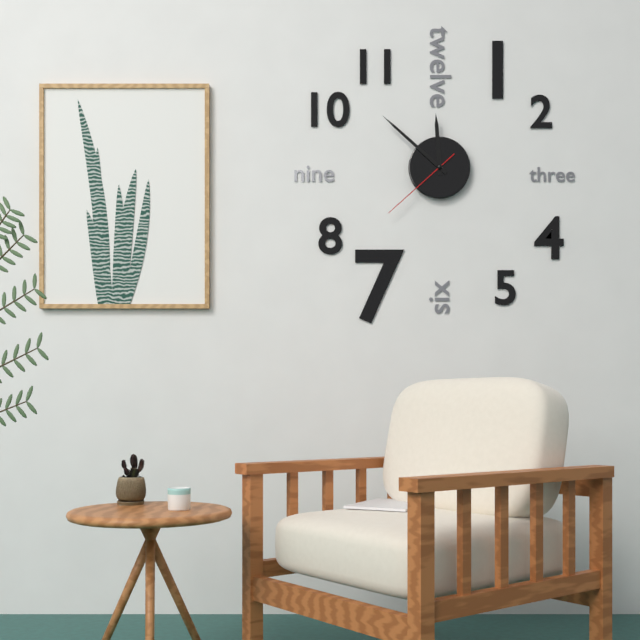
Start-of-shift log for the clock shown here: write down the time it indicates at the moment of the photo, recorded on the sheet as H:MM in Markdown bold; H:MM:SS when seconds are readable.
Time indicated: **11:52:38**
